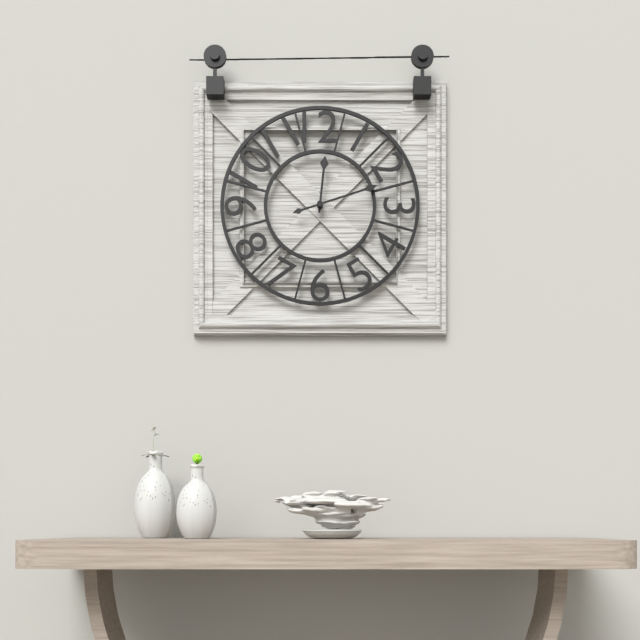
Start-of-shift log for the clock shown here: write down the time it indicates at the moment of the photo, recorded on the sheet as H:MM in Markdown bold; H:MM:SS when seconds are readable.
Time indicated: **12:12**
